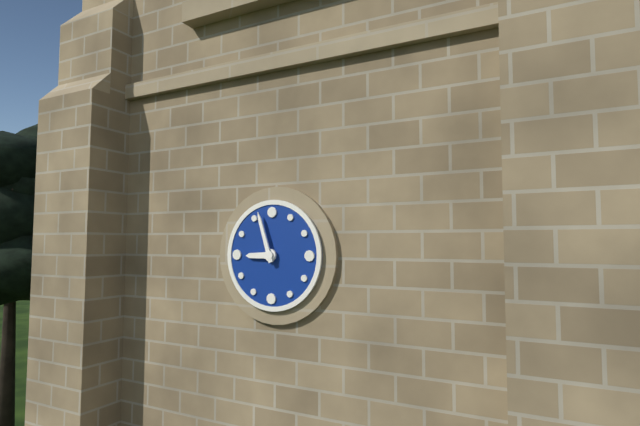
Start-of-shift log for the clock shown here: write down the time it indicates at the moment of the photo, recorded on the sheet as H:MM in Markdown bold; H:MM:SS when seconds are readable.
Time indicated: **8:57**
